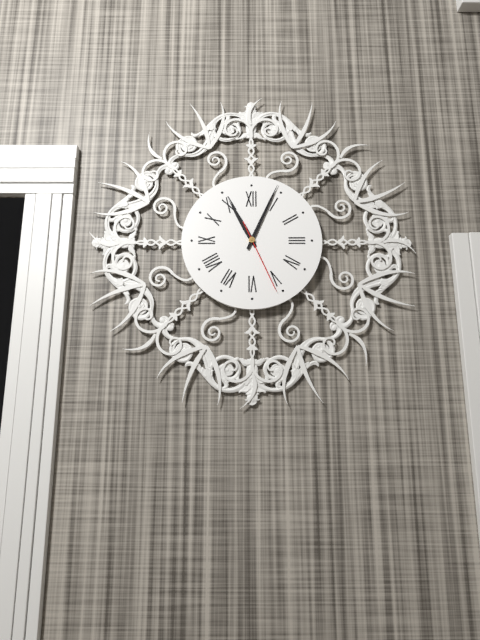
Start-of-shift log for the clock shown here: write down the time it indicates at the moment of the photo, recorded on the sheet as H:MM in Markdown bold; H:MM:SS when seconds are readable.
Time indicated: **11:04:26**
